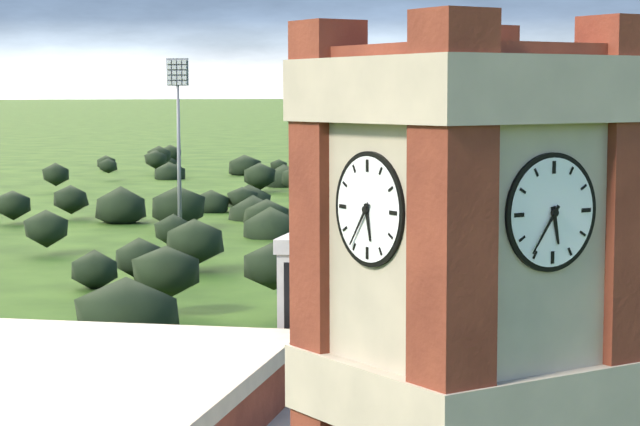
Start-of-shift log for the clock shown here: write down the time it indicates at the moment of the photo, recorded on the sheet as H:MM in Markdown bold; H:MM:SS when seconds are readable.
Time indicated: **5:36**
